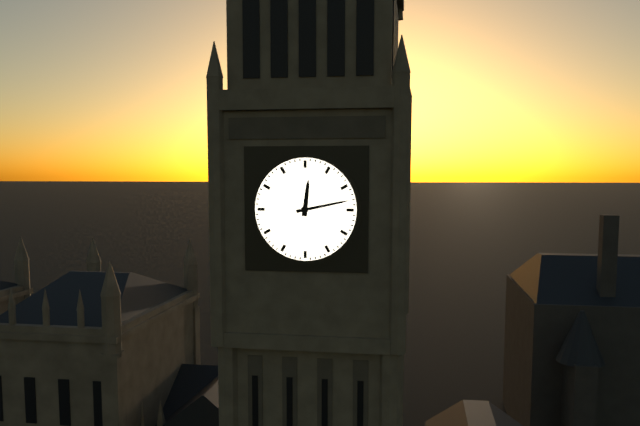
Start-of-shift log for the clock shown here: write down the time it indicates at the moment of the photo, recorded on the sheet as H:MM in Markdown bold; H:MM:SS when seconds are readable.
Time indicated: **12:13**
